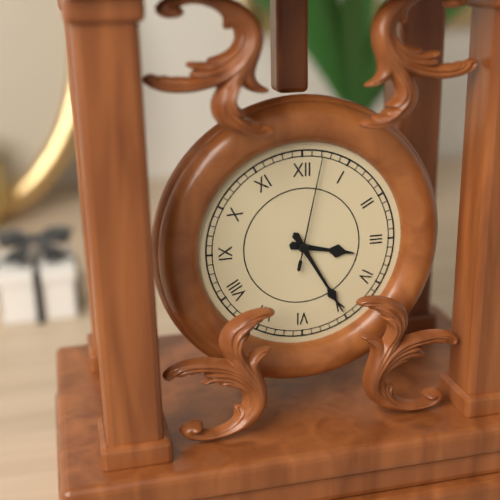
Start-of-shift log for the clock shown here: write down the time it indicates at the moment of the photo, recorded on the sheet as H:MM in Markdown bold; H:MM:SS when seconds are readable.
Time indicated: **3:25:02**
